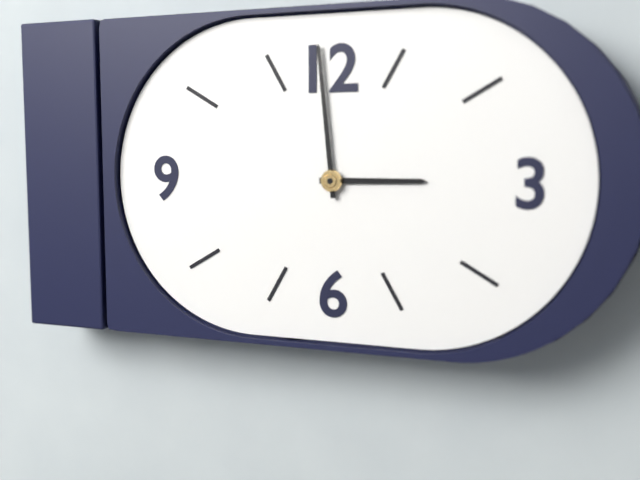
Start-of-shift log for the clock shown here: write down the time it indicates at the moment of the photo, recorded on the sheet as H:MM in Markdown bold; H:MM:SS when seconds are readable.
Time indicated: **2:59**
